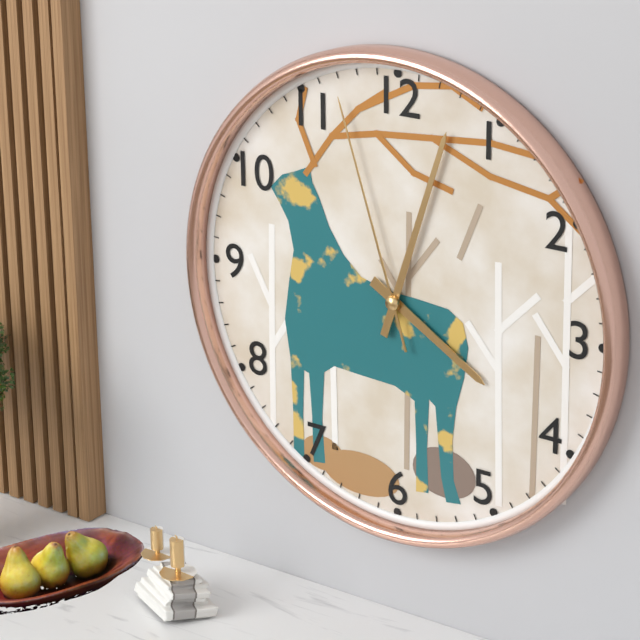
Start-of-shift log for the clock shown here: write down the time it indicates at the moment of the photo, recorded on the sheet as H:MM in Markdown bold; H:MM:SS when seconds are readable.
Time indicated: **4:03:57**
